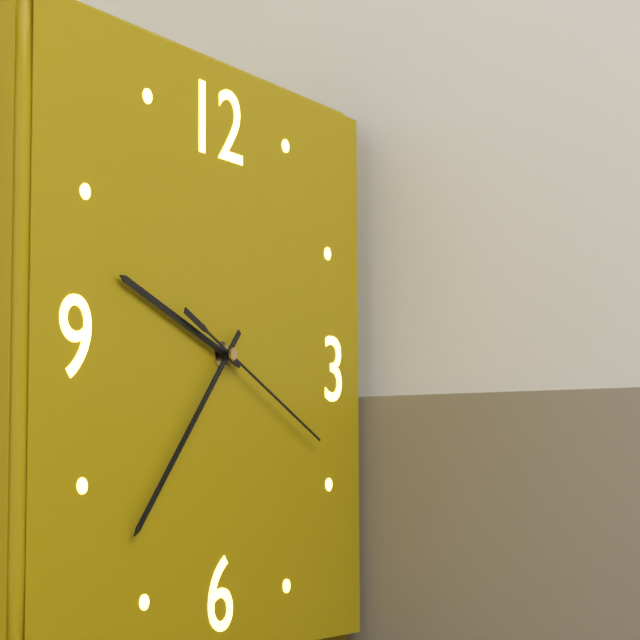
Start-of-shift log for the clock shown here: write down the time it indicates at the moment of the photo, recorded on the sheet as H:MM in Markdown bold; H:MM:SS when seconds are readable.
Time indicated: **9:37:19**
